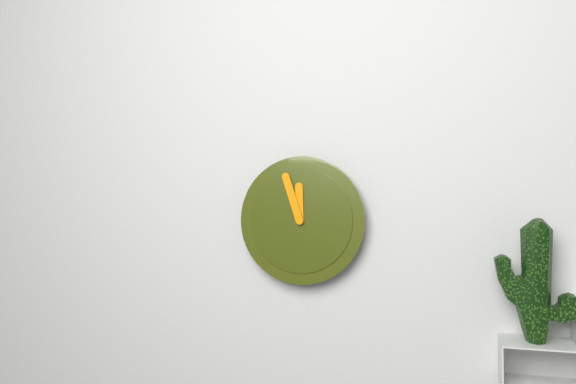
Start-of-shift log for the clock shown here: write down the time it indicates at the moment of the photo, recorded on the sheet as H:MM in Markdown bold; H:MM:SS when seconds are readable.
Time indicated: **11:57**
